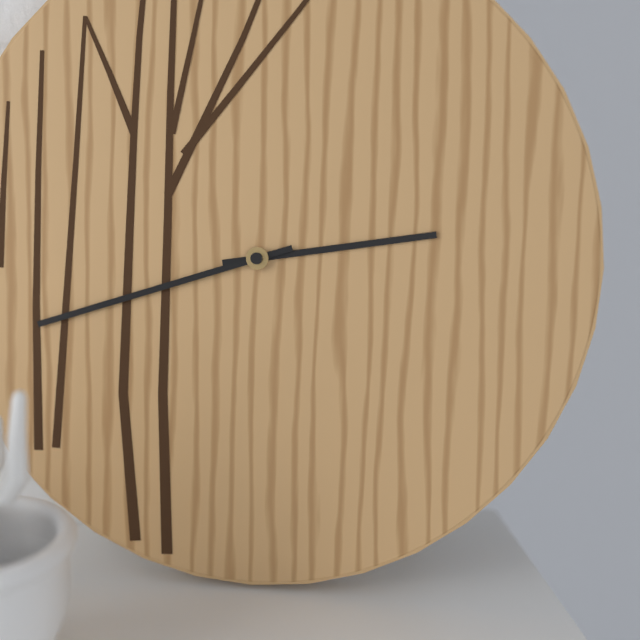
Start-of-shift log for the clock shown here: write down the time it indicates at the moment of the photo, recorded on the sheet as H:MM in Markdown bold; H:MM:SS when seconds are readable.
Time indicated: **2:42**
